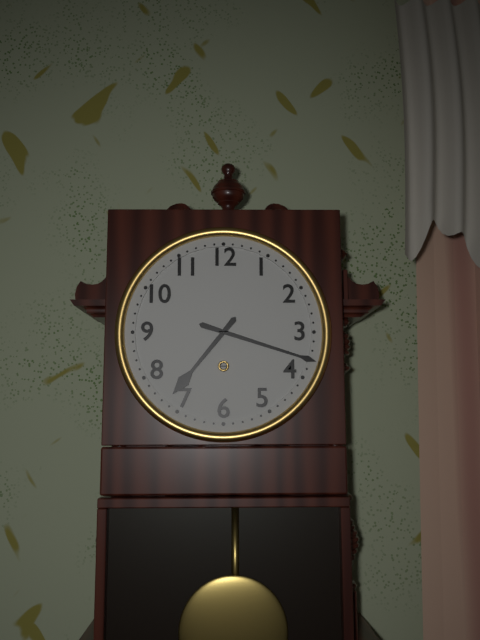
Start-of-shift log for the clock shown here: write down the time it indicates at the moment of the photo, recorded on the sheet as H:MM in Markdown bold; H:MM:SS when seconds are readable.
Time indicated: **7:18**
